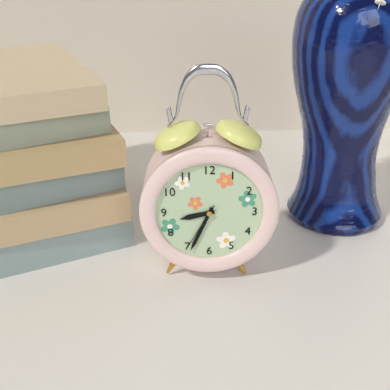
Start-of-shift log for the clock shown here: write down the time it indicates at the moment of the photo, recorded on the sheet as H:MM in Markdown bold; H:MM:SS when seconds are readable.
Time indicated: **8:34:35**
